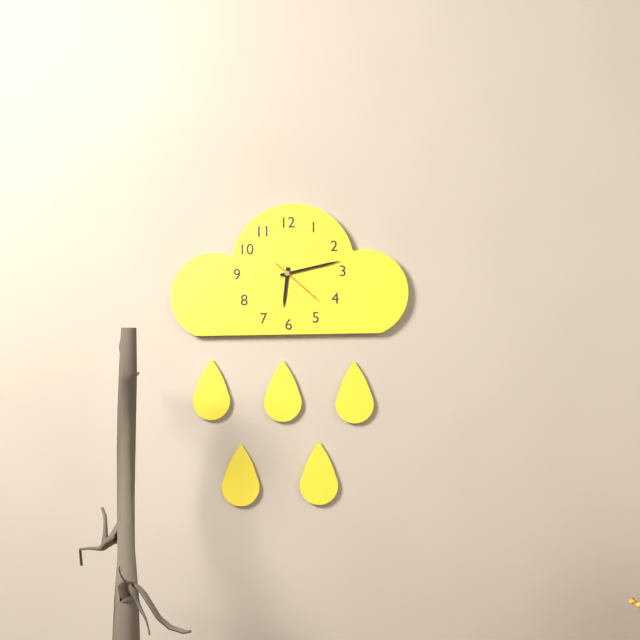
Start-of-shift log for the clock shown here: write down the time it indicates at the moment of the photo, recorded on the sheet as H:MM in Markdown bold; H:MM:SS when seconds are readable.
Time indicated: **6:13:22**
